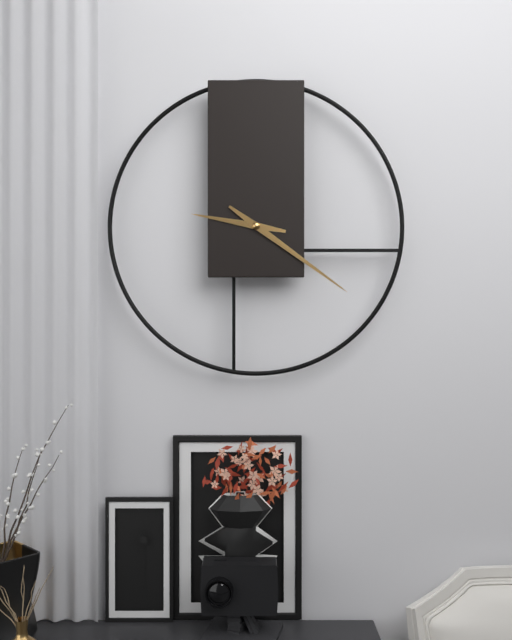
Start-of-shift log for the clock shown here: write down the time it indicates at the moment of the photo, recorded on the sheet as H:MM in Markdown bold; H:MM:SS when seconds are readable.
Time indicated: **9:21**
